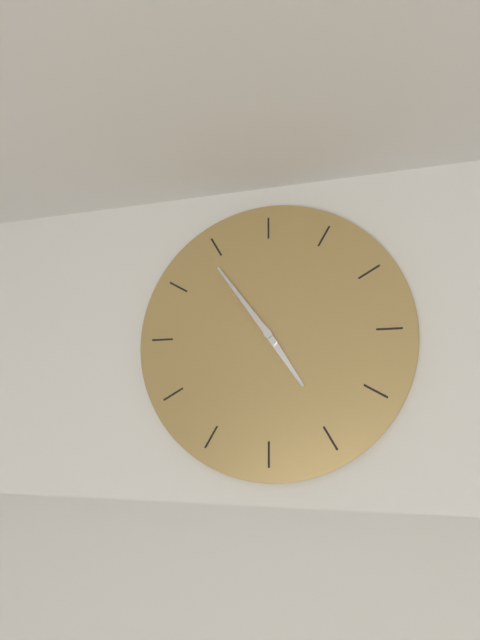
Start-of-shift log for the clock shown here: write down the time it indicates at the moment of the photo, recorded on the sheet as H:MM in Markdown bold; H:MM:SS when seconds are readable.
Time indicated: **4:54**
